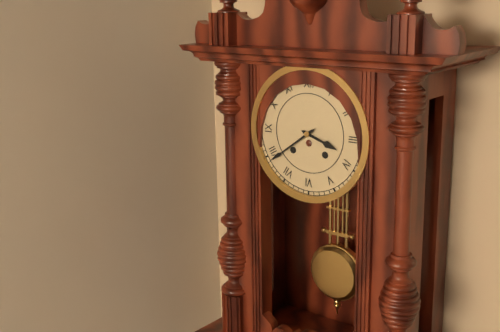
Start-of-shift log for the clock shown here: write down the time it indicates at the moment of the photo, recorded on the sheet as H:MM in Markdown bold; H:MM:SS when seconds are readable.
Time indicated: **3:39**
